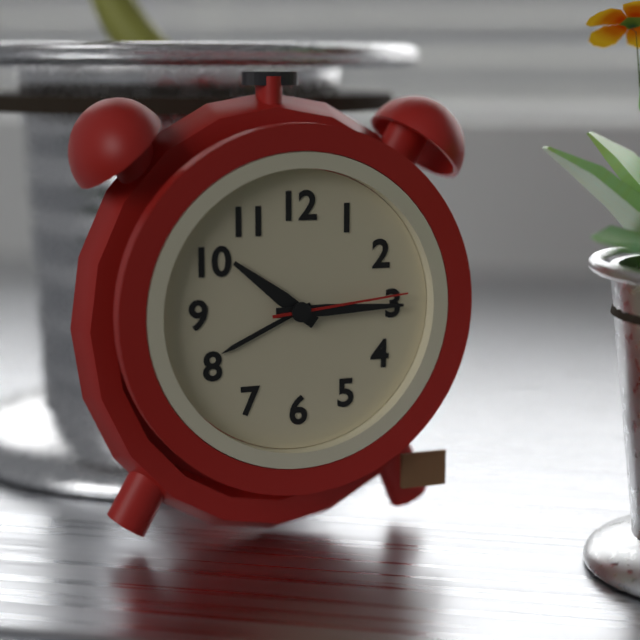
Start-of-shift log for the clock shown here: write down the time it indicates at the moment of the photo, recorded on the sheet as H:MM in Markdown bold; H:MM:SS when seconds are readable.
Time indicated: **10:15:14**
